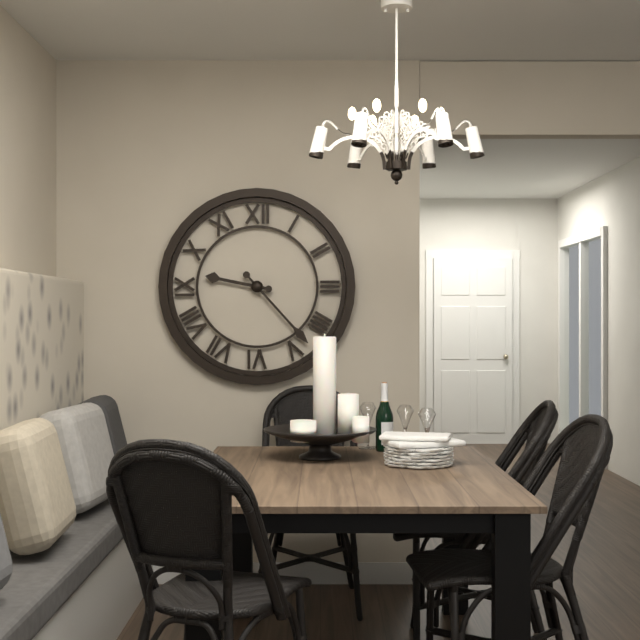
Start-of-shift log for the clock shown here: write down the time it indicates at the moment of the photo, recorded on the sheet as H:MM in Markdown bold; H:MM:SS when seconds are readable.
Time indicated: **9:23**
